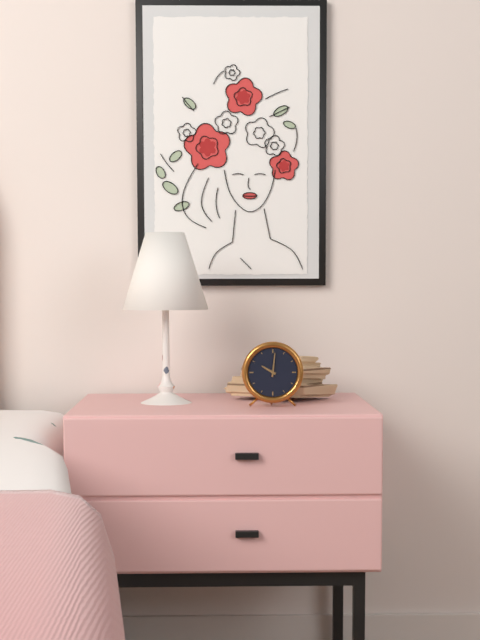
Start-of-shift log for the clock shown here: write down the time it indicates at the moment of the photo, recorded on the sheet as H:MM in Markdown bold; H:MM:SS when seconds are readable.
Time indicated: **10:01**
